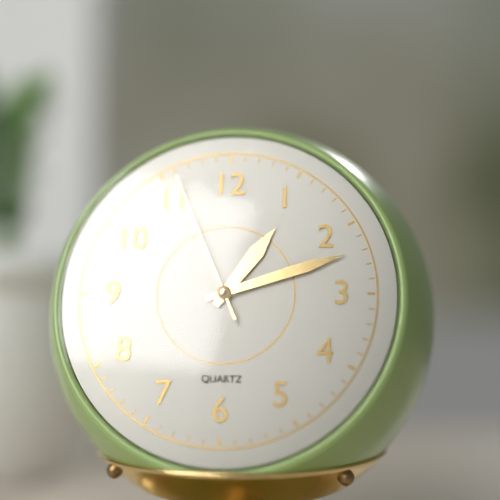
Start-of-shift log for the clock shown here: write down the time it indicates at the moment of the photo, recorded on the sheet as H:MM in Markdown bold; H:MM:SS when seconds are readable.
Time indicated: **1:12:56**
